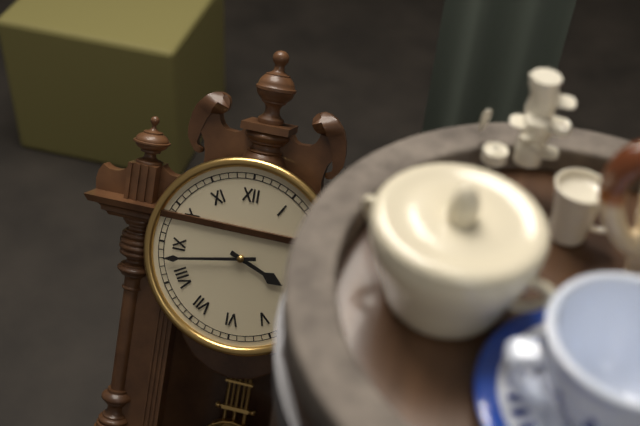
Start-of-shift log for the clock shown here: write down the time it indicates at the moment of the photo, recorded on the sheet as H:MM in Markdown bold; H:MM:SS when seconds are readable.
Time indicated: **3:43**
